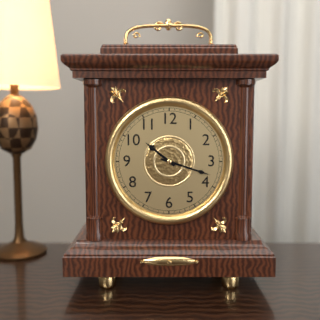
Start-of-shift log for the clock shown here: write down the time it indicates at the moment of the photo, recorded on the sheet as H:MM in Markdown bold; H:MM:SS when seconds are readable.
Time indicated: **10:18**
